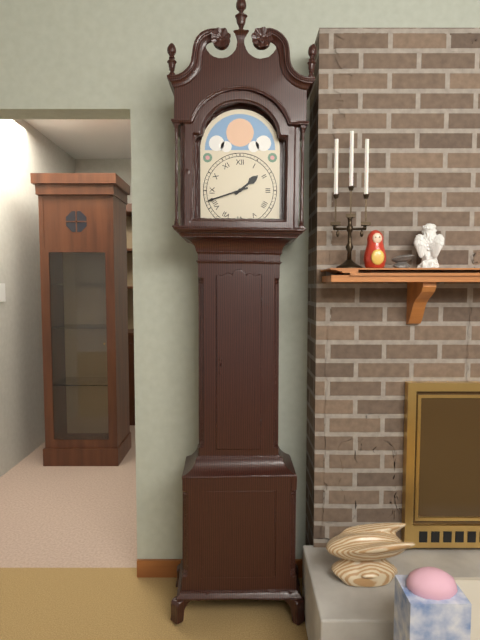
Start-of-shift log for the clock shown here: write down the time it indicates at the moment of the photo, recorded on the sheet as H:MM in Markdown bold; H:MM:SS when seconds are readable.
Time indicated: **1:42**
